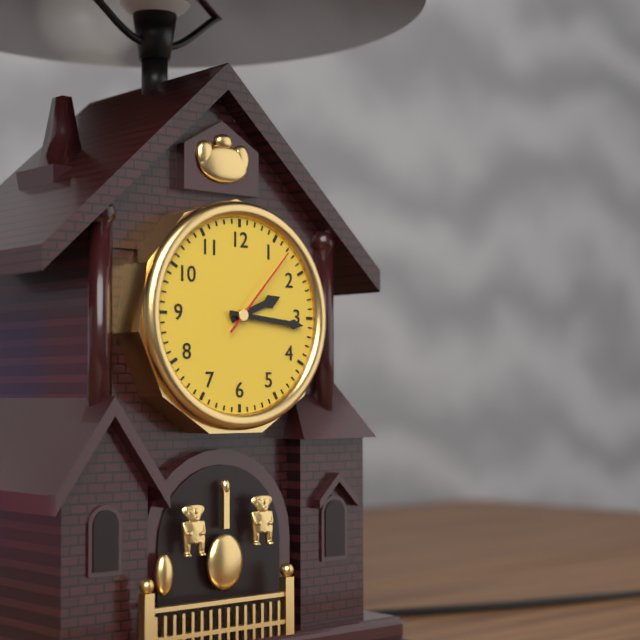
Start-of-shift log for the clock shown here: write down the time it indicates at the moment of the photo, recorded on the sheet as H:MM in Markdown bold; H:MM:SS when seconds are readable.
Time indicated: **2:16:07**
